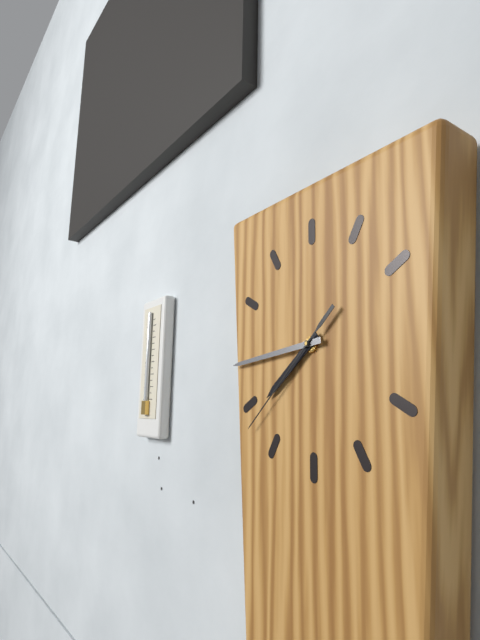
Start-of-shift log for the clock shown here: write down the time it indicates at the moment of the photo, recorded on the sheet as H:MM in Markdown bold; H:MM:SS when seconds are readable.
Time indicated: **7:44:38**
